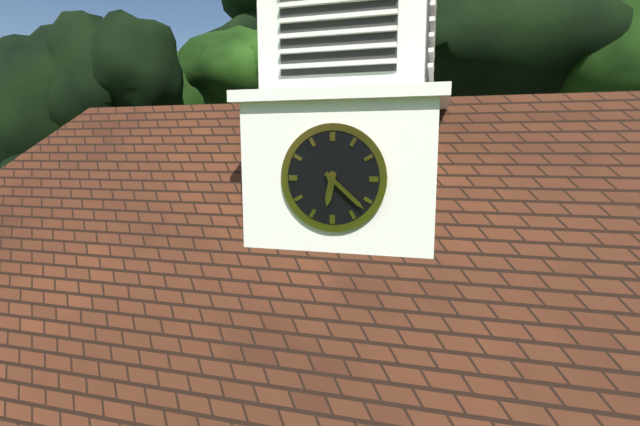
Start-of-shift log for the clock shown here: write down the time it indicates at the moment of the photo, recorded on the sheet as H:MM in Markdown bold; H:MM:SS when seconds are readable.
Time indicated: **6:22**
